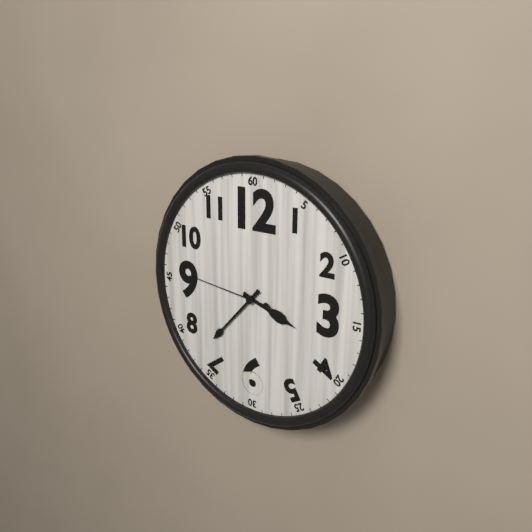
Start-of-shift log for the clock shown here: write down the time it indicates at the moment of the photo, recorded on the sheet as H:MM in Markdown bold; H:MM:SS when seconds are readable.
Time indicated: **3:37:46**
